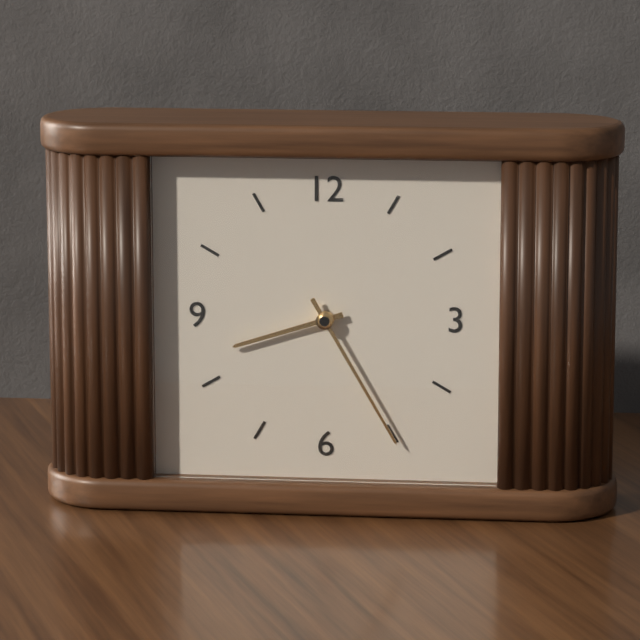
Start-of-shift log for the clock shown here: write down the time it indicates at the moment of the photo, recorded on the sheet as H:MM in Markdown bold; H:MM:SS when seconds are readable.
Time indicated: **8:25**
